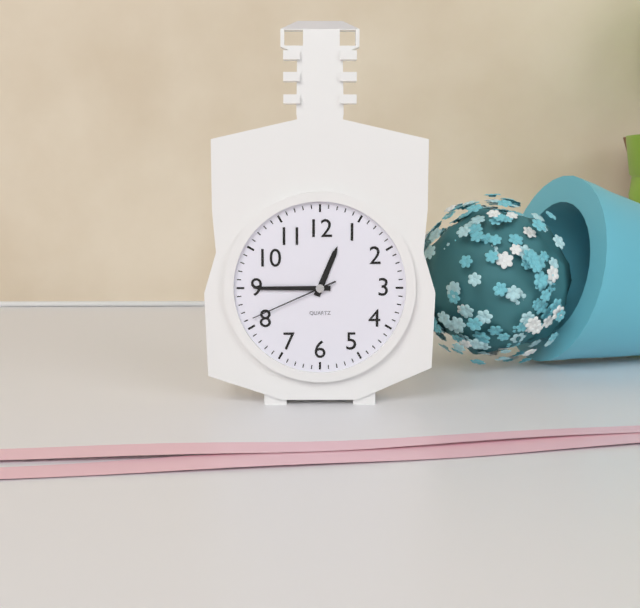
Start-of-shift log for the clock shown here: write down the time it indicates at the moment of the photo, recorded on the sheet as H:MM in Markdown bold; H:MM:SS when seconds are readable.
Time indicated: **12:45:41**
